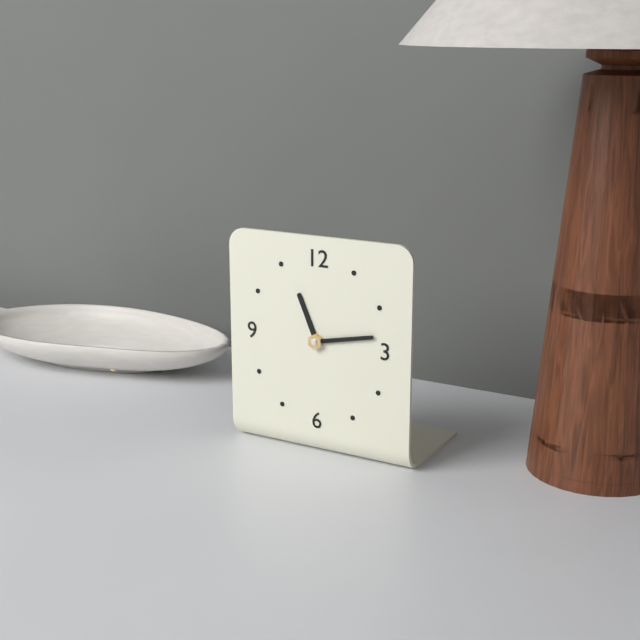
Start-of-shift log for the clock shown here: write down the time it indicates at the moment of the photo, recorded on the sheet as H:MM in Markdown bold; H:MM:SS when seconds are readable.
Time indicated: **11:13**
